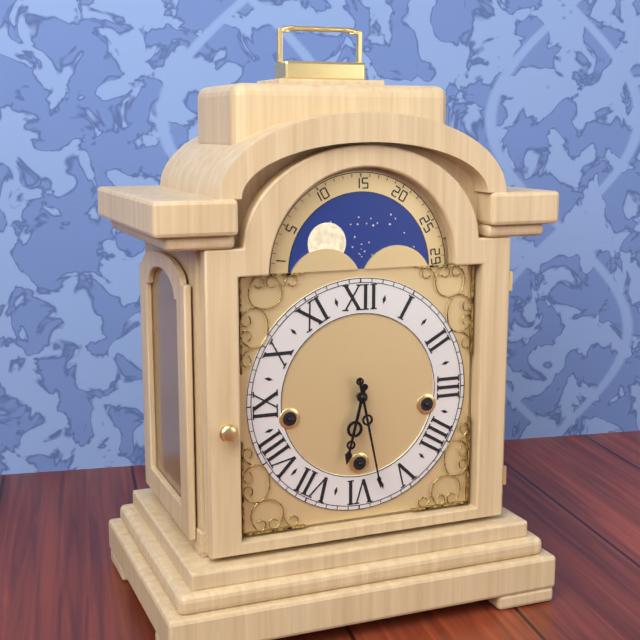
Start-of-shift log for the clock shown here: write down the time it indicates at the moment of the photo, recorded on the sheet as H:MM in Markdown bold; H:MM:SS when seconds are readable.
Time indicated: **6:28**
